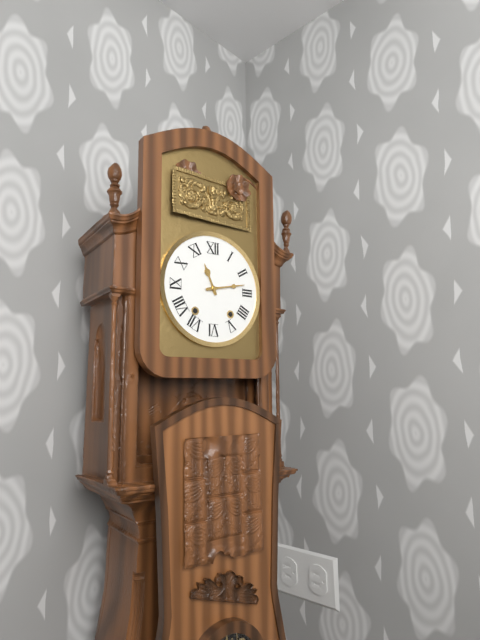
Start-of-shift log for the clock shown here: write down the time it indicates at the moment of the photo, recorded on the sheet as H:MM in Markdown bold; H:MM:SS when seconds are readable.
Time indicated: **11:13**
